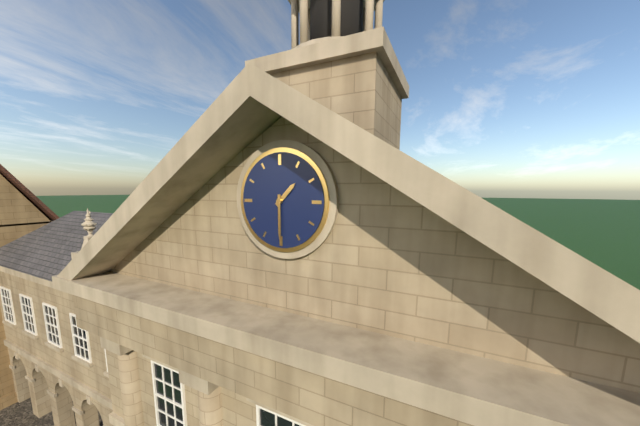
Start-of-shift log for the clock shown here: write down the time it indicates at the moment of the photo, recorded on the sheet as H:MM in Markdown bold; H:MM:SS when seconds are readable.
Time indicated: **1:30**
